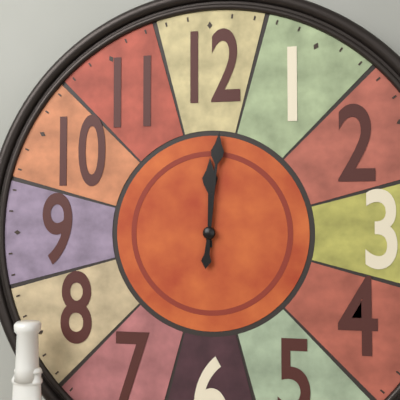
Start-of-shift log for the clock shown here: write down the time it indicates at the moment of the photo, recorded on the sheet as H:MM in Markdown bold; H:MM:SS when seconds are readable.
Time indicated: **12:01**
